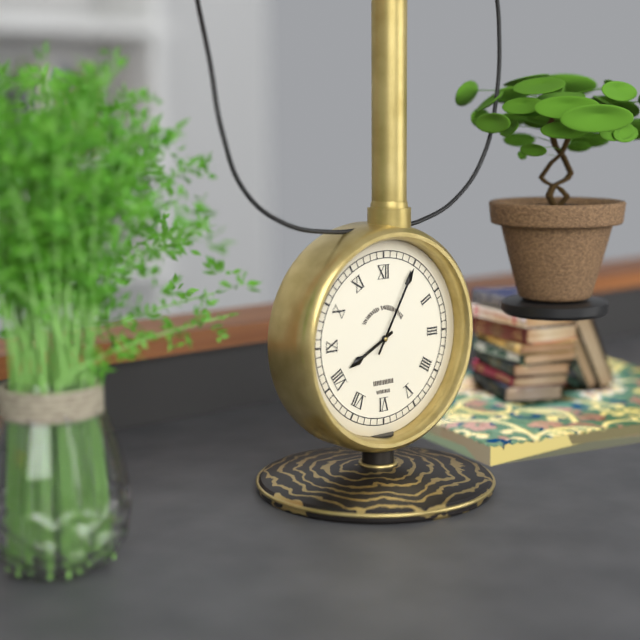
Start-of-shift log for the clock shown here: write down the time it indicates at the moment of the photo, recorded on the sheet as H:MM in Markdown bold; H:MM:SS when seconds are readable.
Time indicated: **8:05**
